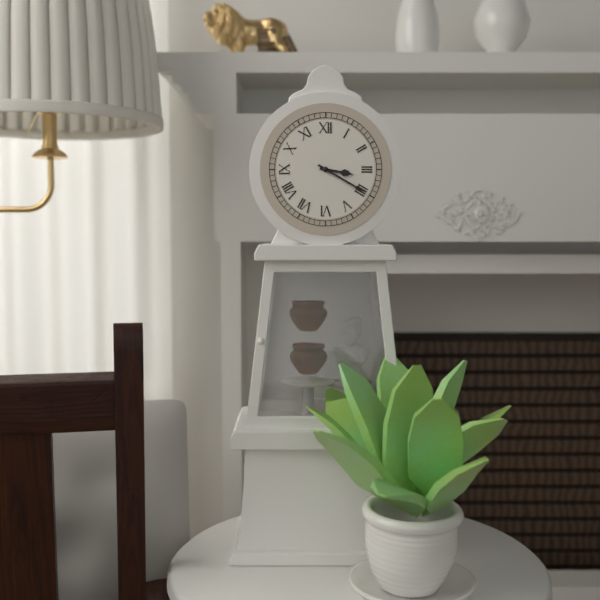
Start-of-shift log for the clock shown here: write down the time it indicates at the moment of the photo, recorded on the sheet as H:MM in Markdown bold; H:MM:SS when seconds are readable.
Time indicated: **3:20**
